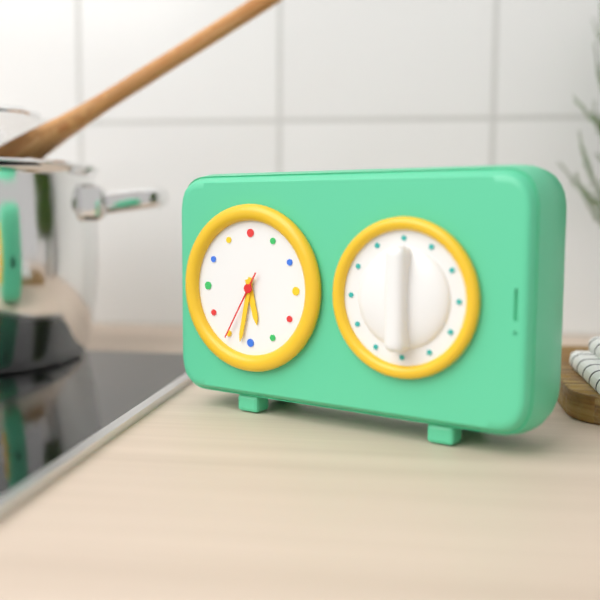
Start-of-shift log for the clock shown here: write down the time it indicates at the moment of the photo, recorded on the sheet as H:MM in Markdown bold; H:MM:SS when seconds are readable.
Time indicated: **5:32:35**
